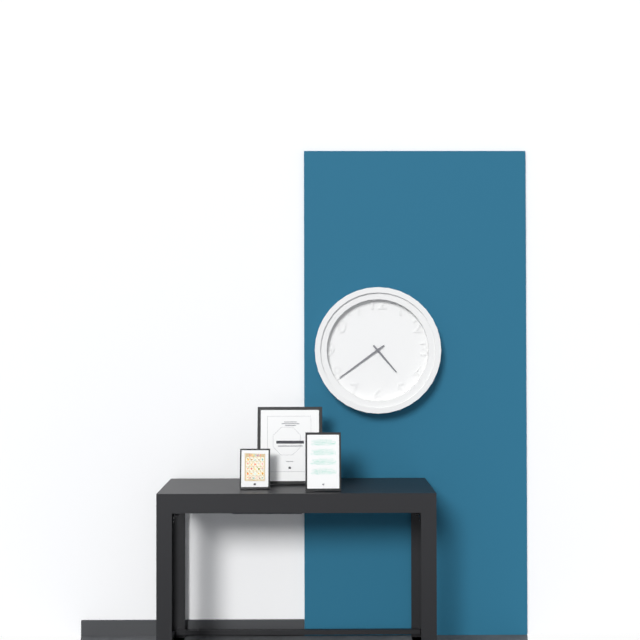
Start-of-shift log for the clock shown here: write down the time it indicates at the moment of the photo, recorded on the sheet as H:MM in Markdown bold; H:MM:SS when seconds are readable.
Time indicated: **4:39**
